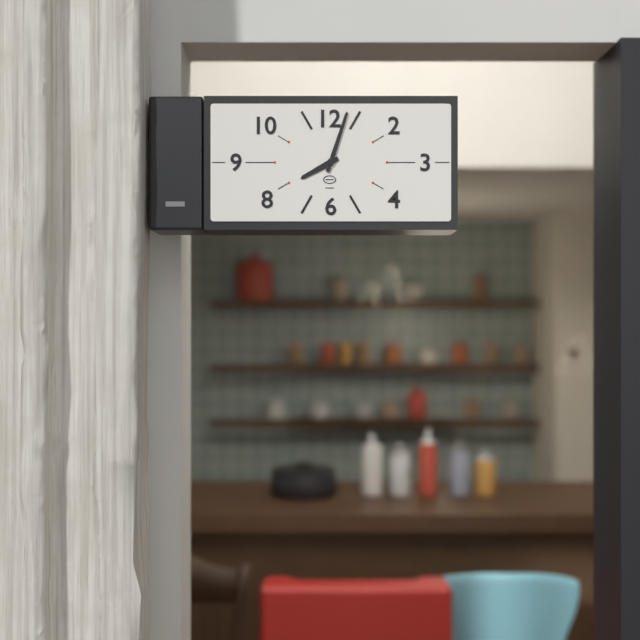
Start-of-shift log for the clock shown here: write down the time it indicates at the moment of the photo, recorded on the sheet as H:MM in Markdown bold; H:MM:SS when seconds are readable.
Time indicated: **8:03**
